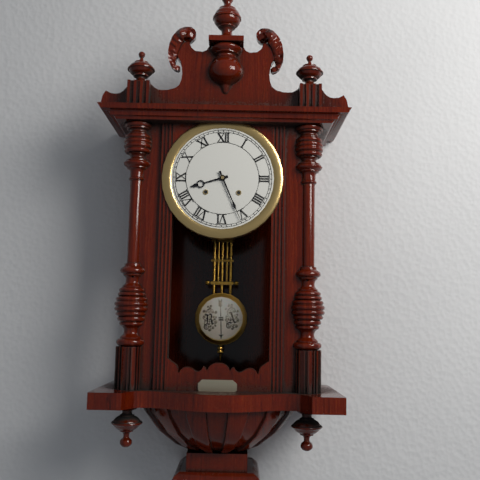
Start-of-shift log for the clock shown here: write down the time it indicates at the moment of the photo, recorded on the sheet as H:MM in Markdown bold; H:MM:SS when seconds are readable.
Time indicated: **8:26**
